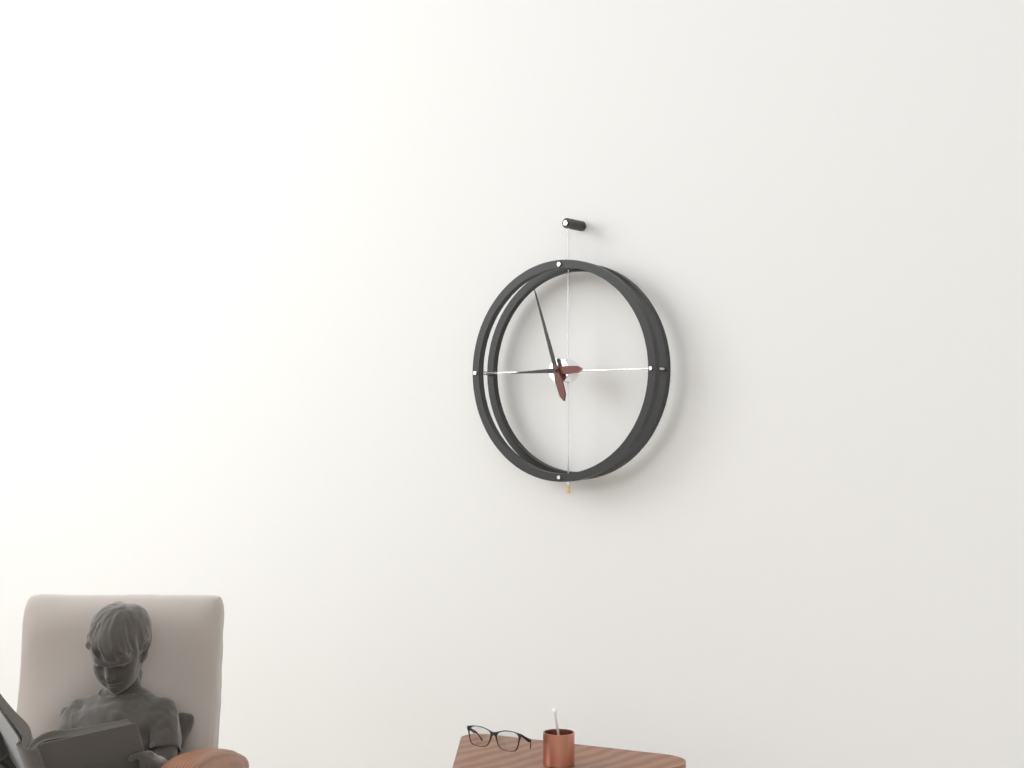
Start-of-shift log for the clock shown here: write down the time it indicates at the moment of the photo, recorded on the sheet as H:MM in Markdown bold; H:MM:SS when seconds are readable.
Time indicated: **8:57**
